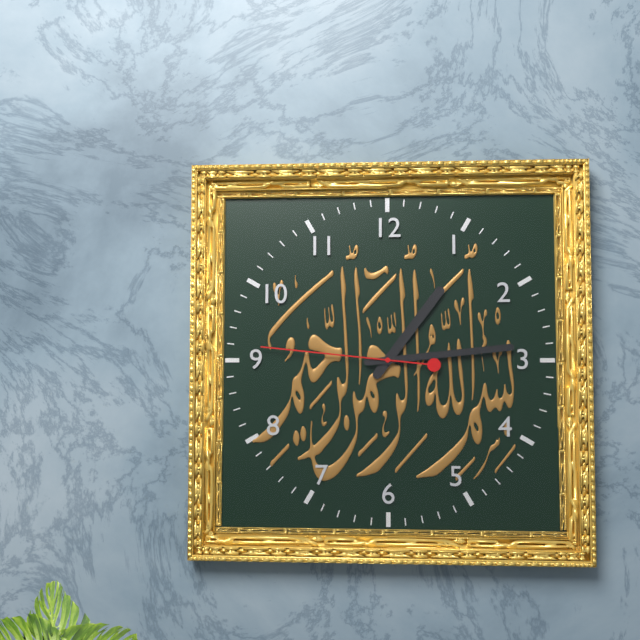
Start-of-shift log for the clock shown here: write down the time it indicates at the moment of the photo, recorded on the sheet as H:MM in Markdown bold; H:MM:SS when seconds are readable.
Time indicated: **1:14:46**
